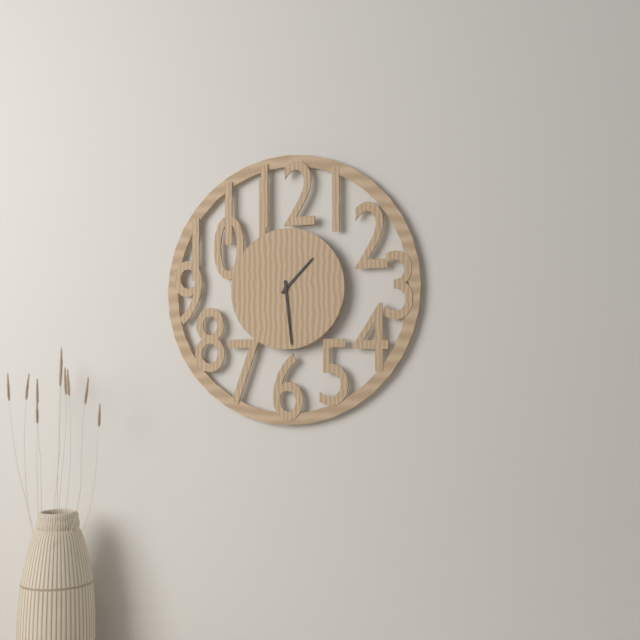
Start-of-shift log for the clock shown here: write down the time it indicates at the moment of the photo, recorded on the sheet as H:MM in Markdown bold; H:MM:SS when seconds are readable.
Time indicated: **1:29**
